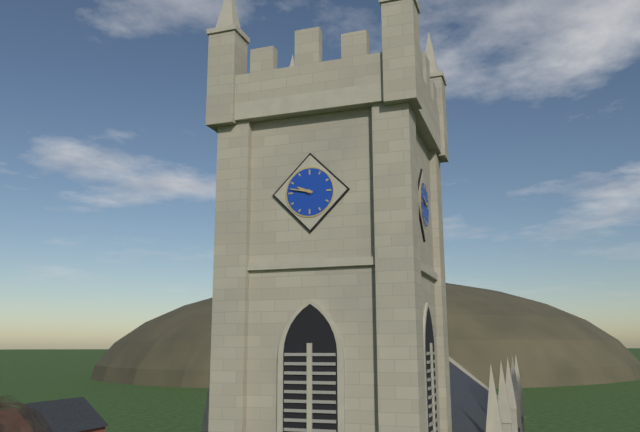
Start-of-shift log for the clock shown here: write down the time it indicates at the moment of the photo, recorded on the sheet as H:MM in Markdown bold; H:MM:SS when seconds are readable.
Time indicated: **9:47**
